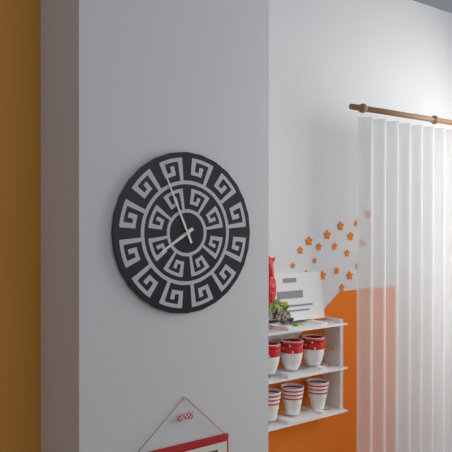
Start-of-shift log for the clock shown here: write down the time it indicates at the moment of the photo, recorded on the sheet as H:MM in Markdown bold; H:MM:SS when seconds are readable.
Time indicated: **7:56**
